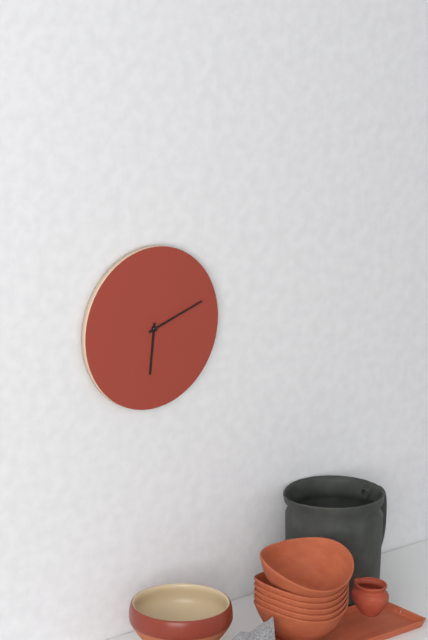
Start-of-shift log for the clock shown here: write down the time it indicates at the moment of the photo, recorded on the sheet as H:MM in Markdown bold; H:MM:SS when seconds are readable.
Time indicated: **6:12**
